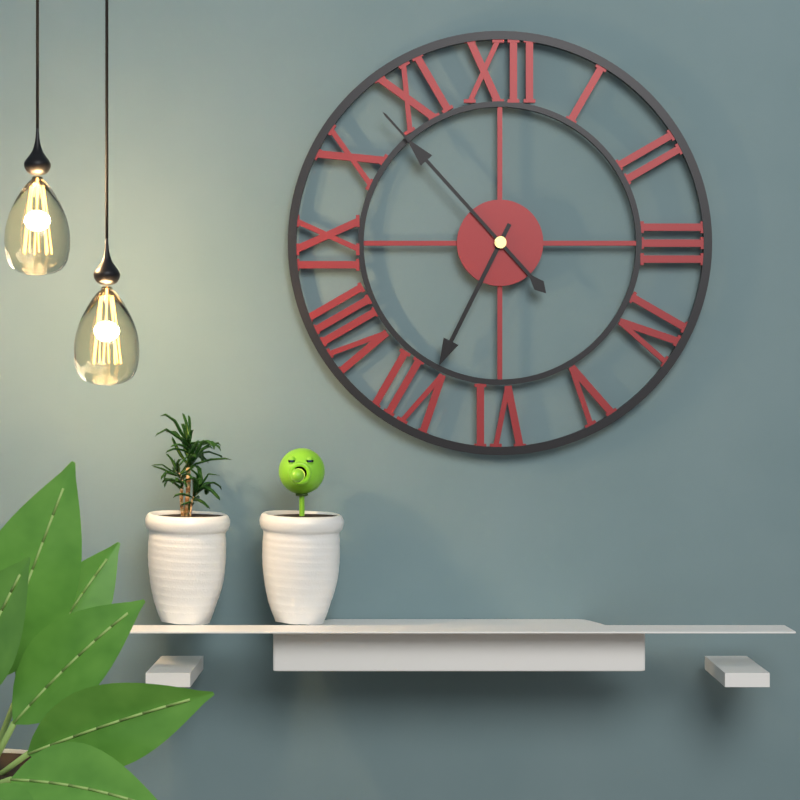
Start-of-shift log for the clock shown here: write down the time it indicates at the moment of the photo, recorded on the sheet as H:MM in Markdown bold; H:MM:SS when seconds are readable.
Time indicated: **6:53**
